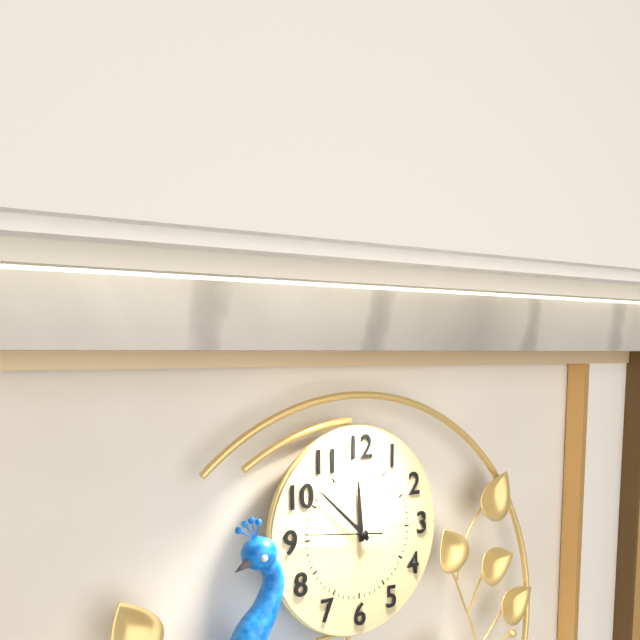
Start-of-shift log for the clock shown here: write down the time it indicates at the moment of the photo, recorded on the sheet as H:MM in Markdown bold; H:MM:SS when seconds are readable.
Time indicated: **11:52:46**
